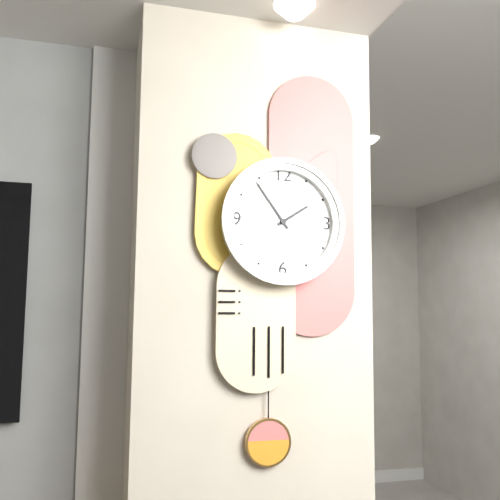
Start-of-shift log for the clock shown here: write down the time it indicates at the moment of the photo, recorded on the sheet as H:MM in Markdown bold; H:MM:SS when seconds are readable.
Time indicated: **1:54**
